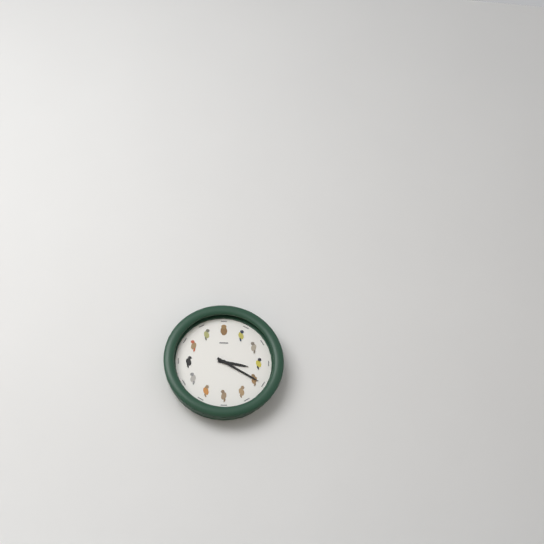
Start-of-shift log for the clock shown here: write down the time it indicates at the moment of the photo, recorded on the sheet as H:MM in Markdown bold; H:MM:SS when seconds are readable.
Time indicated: **3:20**
